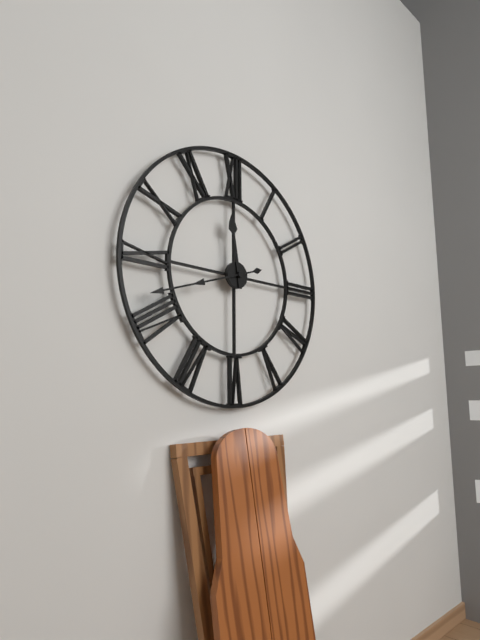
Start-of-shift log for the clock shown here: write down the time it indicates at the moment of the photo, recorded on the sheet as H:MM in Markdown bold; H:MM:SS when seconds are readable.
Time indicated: **11:42**
